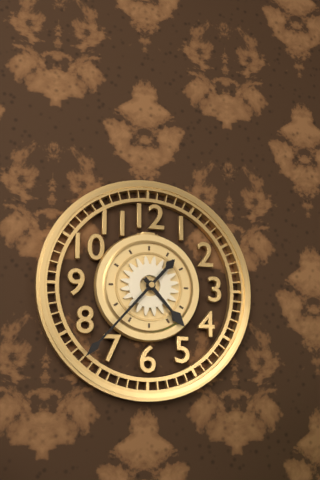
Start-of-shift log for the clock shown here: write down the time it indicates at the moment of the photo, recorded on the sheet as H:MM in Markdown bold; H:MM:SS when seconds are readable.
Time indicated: **4:37**
